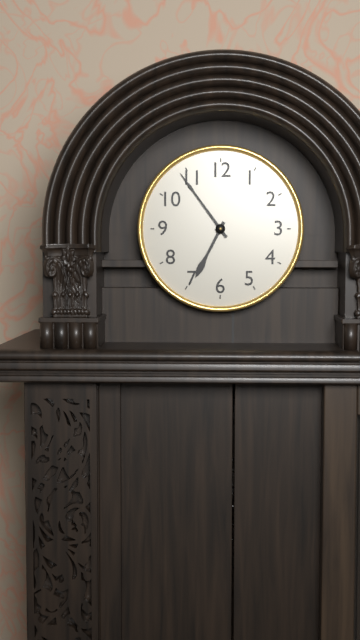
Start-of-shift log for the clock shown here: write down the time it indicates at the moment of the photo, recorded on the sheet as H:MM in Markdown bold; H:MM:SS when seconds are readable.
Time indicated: **6:54**
